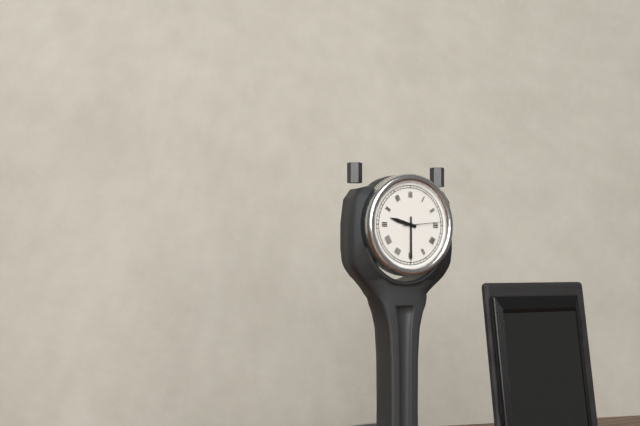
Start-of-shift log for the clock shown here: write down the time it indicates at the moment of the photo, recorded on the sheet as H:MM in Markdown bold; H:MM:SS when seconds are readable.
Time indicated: **9:30**
